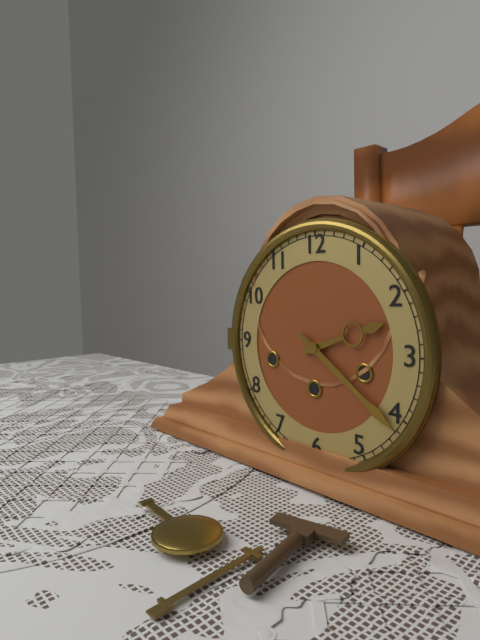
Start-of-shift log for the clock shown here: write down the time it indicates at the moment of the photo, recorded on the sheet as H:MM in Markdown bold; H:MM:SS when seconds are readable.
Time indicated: **2:21**
